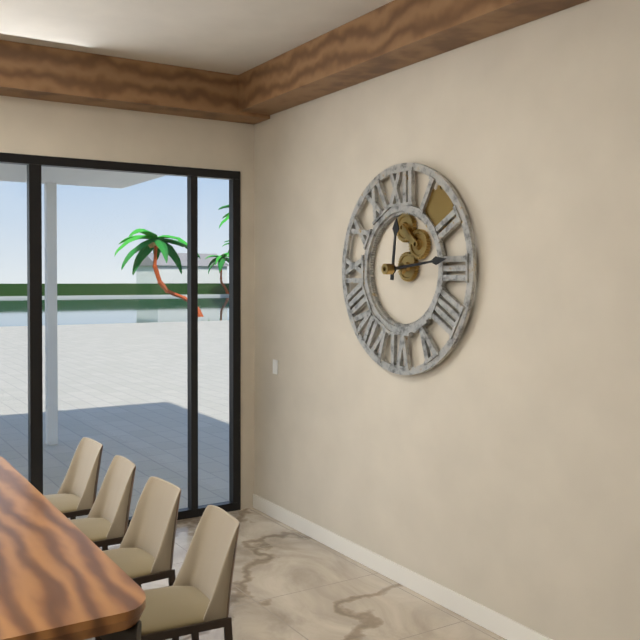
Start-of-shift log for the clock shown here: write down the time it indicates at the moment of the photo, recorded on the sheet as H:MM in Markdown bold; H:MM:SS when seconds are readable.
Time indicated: **12:14**
